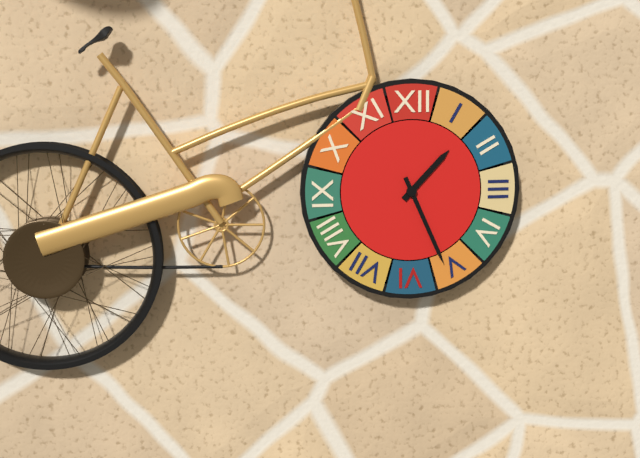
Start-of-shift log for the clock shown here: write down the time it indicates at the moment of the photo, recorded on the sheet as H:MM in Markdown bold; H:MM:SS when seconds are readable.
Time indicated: **1:26**
